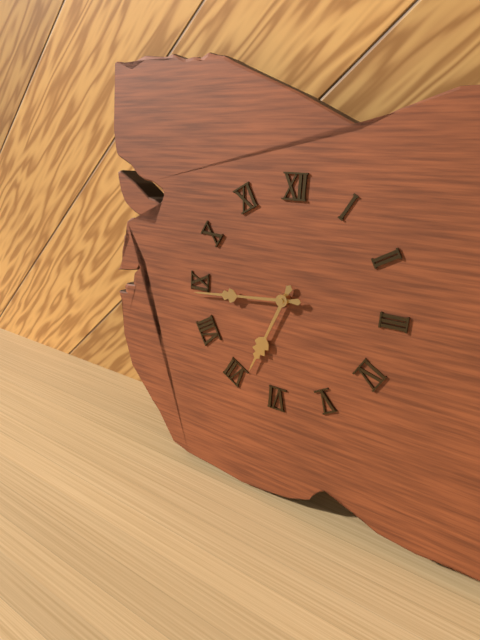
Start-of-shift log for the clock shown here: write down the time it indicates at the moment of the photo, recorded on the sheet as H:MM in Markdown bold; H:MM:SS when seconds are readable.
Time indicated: **6:44**
